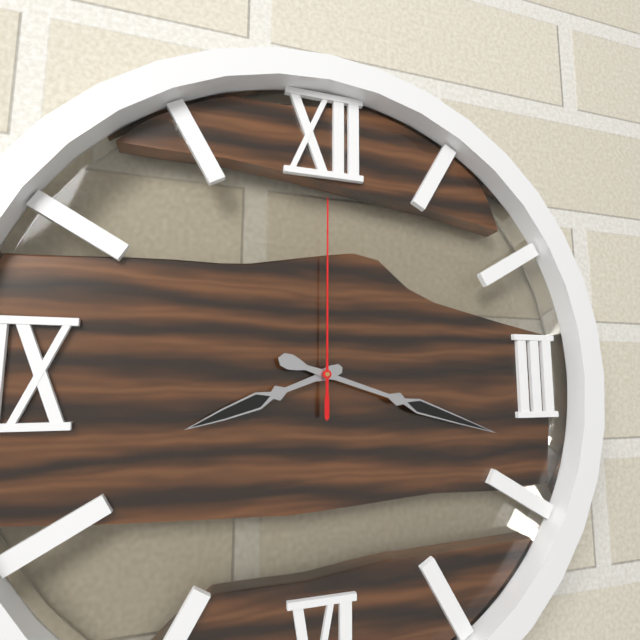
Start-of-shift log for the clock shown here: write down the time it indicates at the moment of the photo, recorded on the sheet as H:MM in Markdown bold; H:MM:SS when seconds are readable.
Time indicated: **8:18:00**
